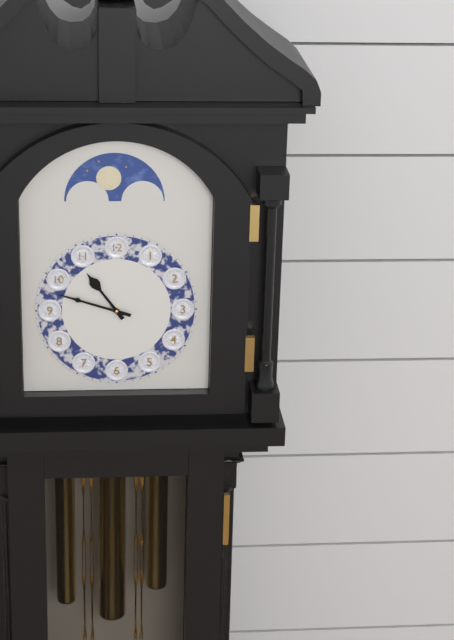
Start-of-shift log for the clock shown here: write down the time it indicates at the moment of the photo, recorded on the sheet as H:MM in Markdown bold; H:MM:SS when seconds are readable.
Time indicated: **10:48**
